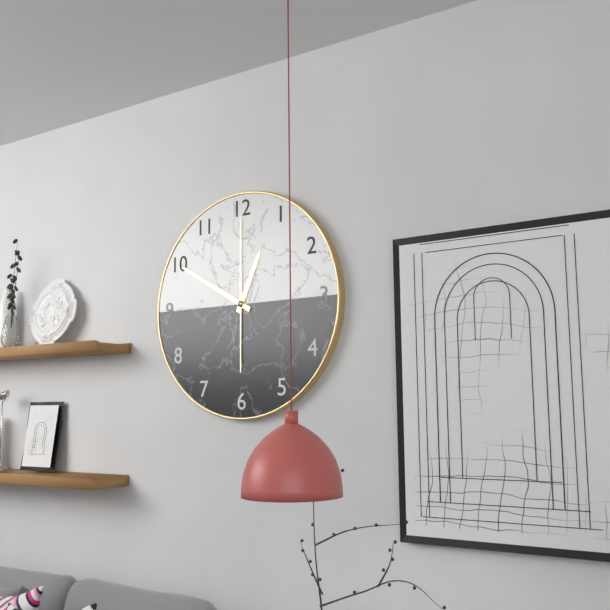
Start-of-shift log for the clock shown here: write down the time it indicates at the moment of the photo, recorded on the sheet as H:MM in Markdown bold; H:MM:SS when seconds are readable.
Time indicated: **12:50:00**
